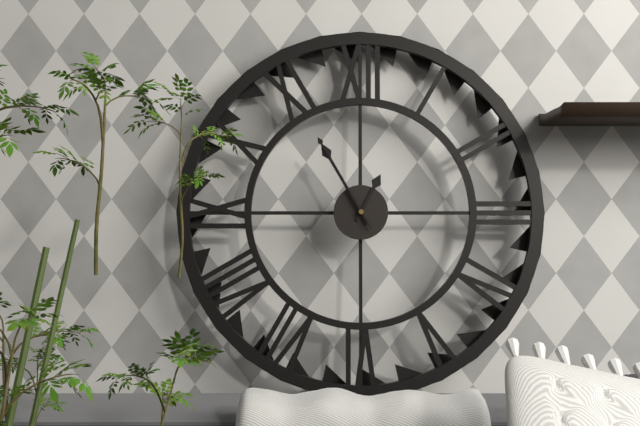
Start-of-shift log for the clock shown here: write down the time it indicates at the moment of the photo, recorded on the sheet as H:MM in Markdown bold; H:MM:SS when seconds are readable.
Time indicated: **12:55:55**
